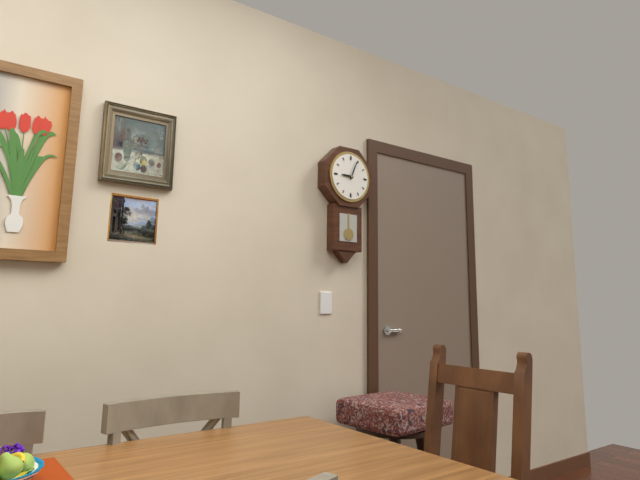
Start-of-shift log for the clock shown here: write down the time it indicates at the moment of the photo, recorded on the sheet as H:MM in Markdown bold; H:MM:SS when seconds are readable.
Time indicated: **9:04**
